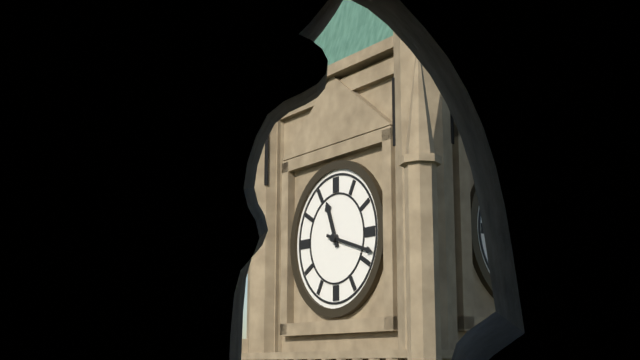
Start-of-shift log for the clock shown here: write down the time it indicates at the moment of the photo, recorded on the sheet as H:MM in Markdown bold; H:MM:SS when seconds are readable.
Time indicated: **11:18**
